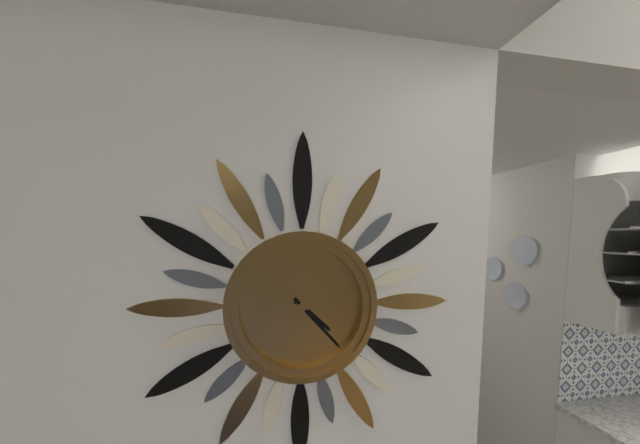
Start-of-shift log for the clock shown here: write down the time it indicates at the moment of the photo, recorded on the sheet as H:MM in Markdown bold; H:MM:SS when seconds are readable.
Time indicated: **4:23**
